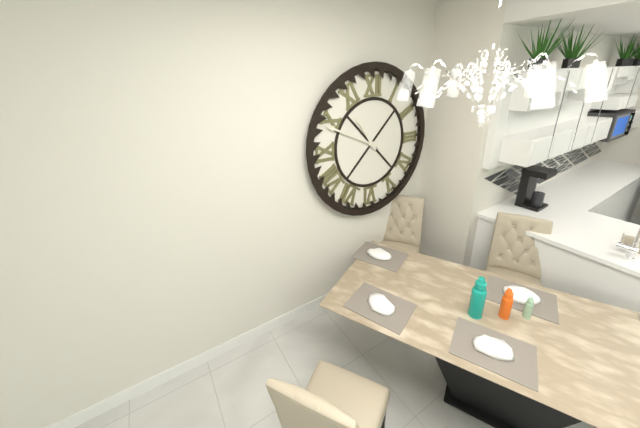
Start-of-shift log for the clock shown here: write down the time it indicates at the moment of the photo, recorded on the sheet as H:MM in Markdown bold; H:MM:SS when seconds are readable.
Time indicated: **10:49**
